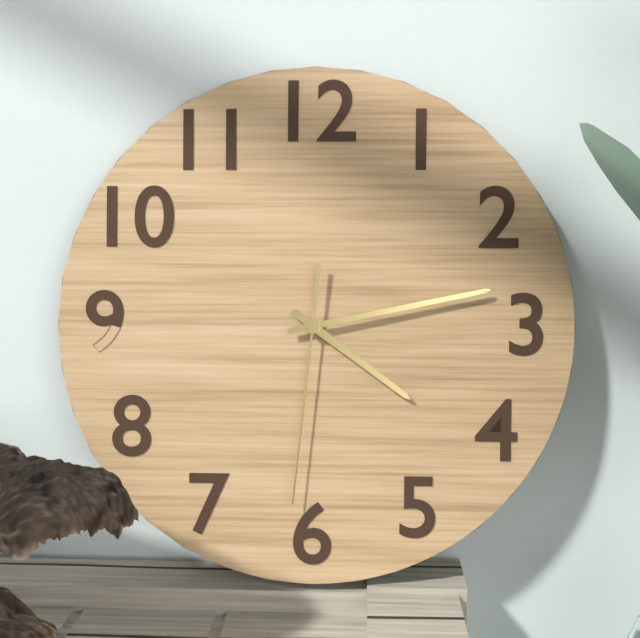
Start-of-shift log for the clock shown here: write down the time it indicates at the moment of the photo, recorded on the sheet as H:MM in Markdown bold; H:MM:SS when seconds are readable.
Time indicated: **4:13:31**
